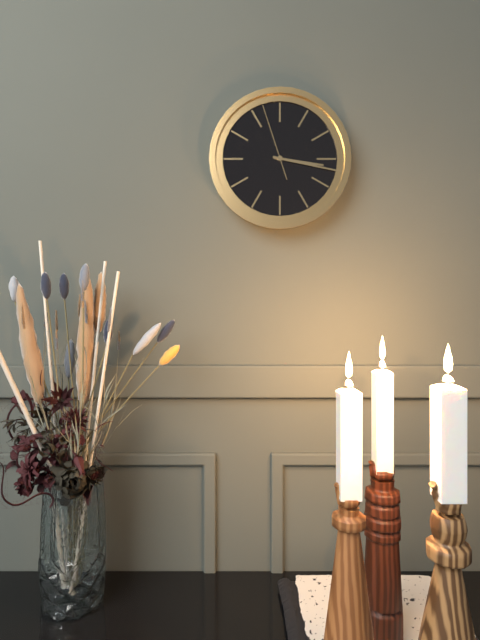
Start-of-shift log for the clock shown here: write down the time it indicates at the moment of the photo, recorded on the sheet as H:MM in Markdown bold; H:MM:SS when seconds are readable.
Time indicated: **3:17:57**
